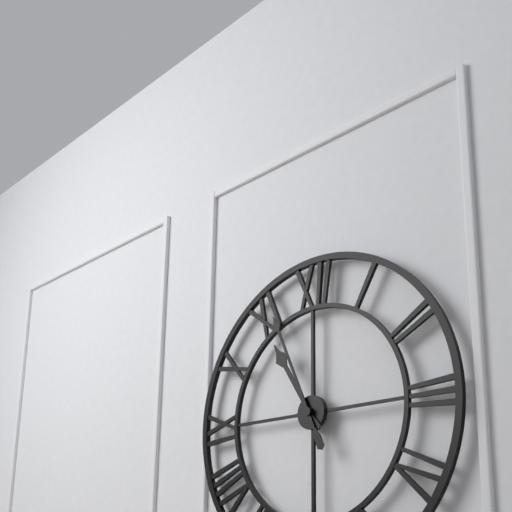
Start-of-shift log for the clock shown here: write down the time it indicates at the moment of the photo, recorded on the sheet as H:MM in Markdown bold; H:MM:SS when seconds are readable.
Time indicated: **10:56**
